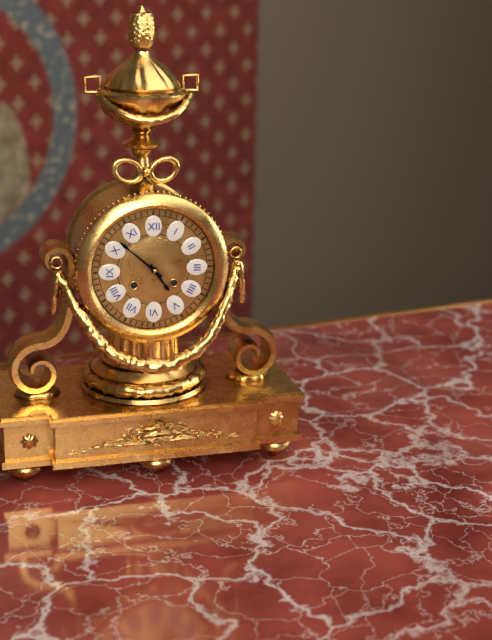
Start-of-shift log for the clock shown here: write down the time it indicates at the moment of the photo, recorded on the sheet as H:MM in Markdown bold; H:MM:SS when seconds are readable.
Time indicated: **4:52**
